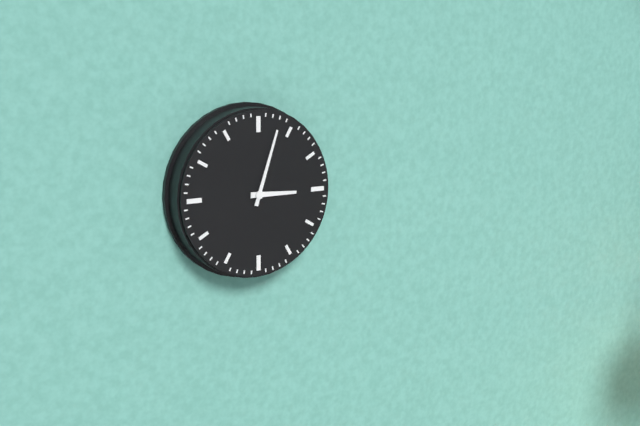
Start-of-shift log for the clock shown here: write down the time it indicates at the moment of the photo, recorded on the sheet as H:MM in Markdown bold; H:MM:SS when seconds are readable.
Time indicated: **3:03**
